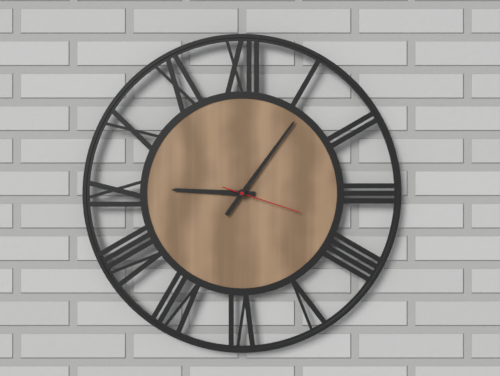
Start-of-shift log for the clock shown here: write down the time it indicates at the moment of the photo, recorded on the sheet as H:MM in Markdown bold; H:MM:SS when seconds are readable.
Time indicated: **9:06:18**
